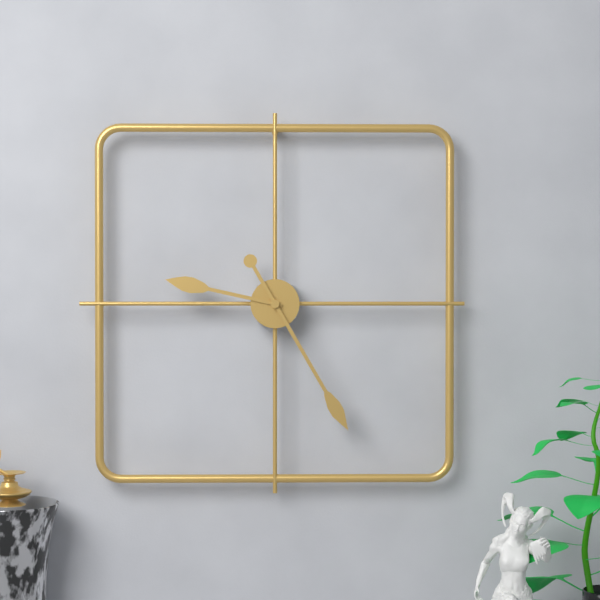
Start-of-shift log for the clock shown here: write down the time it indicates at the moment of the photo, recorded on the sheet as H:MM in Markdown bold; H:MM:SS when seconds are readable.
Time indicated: **9:25**
